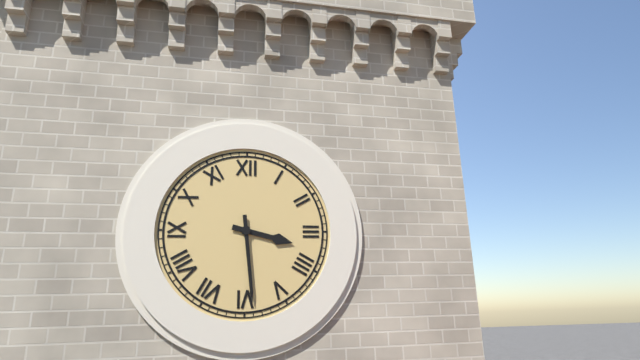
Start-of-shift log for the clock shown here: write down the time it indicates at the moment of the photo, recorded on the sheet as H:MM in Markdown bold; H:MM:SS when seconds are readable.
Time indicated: **3:29**
